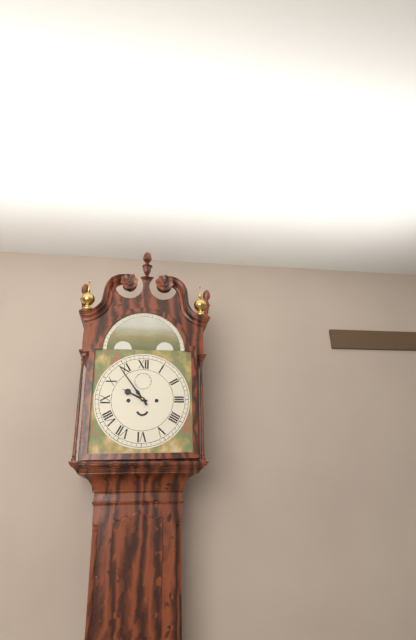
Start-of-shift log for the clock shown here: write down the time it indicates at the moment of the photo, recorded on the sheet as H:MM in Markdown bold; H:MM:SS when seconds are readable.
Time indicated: **9:54**
